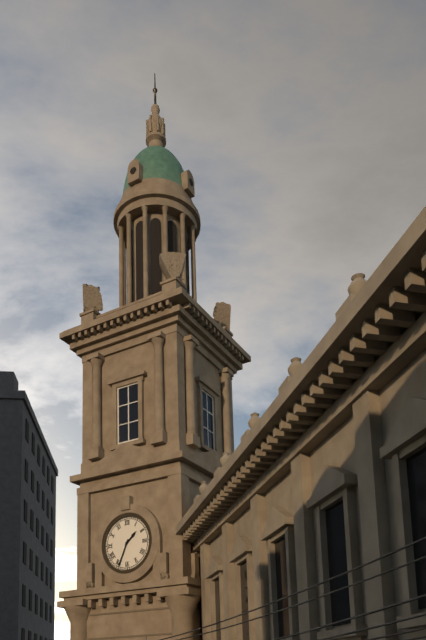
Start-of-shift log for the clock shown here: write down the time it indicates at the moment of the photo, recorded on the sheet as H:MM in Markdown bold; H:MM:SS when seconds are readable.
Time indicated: **1:34**
